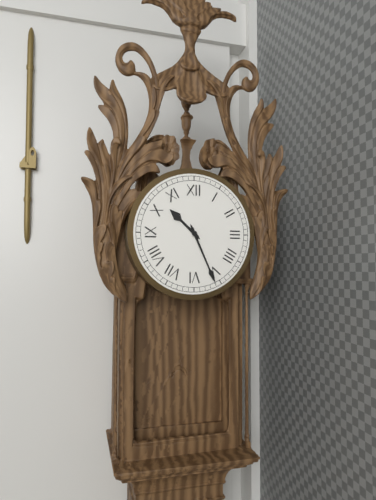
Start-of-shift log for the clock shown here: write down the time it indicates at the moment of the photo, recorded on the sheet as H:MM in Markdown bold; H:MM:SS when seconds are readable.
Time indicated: **10:26**
